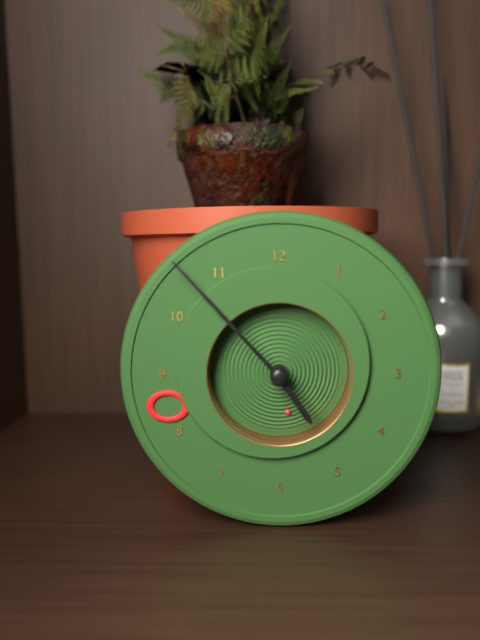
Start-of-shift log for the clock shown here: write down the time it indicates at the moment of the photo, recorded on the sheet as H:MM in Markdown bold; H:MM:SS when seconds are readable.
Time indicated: **4:53:28**
